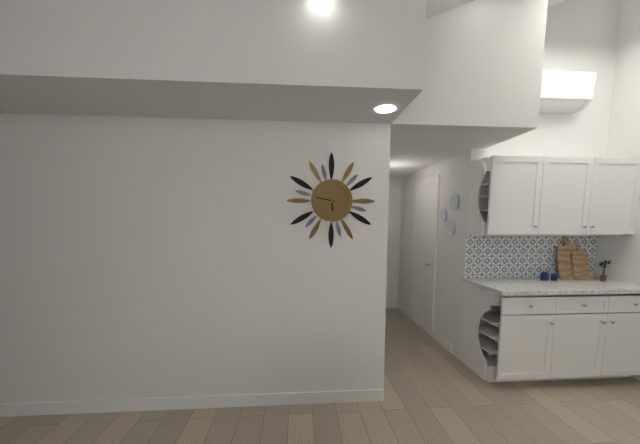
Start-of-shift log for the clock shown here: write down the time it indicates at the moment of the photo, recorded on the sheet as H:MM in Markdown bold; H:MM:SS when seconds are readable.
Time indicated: **5:47**
